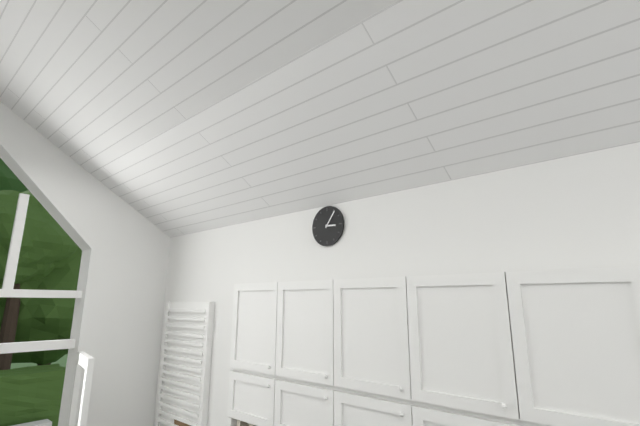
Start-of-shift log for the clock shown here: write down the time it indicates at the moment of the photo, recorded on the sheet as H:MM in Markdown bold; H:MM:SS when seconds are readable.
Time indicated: **3:06**
